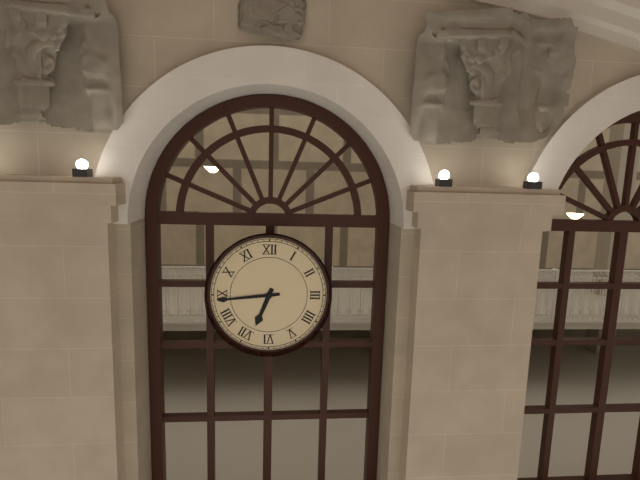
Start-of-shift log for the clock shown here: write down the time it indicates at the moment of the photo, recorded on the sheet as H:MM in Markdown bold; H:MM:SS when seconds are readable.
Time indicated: **6:44**
